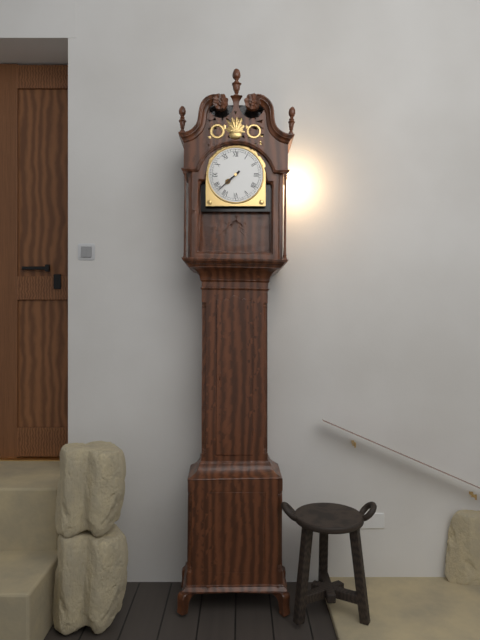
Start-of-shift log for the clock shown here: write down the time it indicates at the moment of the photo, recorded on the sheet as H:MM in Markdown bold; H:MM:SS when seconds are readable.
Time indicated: **7:38**
